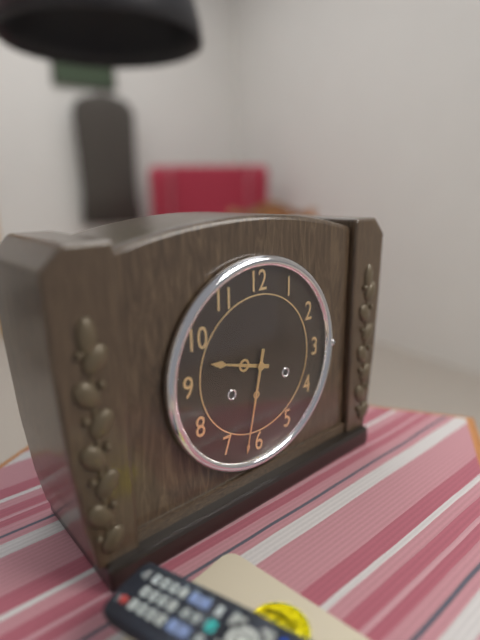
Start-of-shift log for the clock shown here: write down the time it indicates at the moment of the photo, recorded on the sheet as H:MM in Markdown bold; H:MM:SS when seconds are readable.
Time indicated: **9:32**
